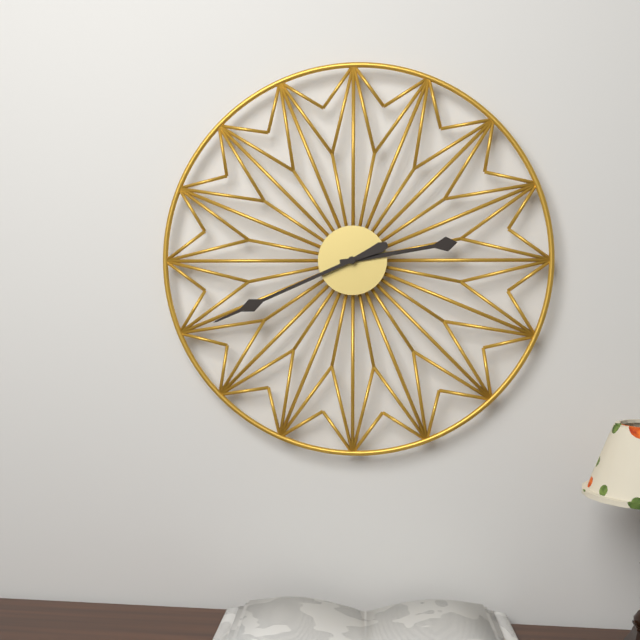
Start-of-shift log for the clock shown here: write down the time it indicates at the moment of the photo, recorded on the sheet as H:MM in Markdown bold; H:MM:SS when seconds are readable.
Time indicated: **2:41**
